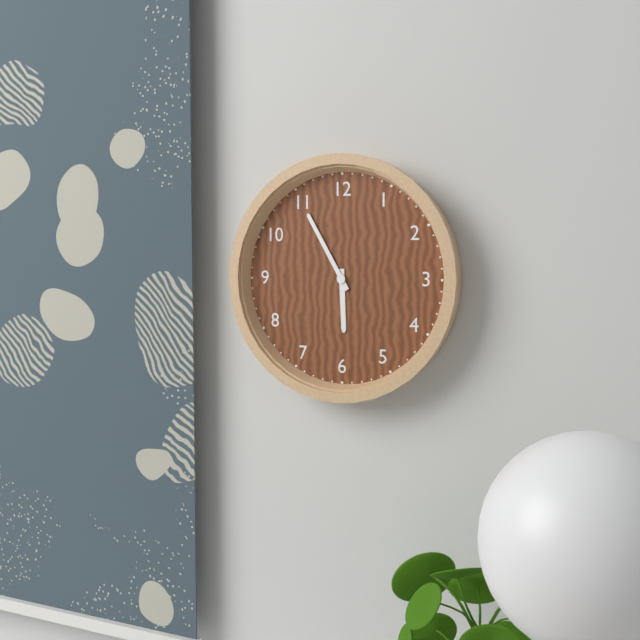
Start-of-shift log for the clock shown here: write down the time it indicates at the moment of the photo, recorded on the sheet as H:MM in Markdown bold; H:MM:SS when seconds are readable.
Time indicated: **5:55**
